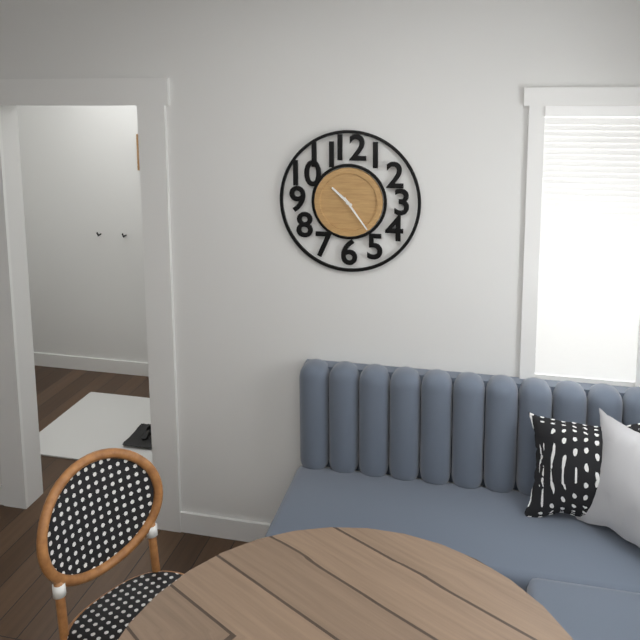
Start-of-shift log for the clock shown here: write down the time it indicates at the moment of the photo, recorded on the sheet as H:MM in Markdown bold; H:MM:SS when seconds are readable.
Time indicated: **10:24**
